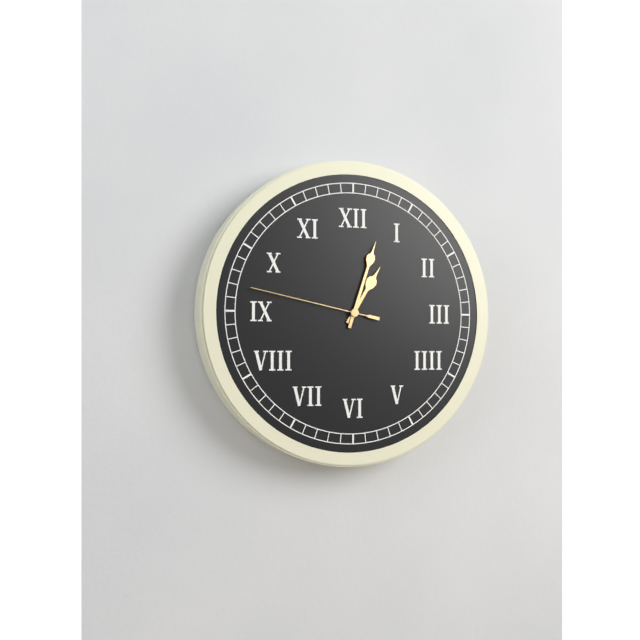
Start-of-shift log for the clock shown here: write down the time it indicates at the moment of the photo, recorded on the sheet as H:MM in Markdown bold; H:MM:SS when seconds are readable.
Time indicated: **1:03:47**
